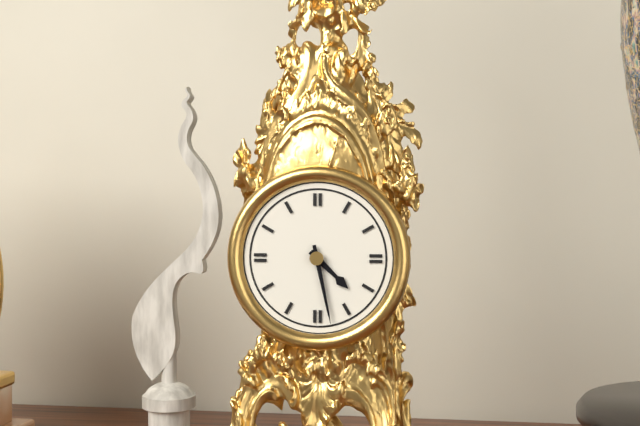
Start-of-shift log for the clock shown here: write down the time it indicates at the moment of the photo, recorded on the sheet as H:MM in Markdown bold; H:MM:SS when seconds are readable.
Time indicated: **4:28**
